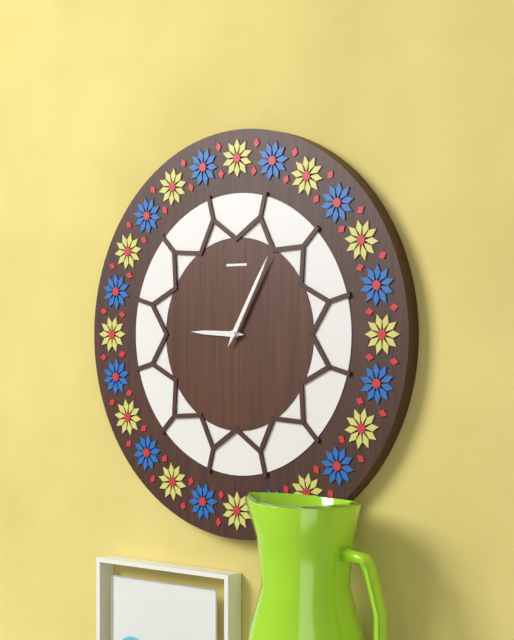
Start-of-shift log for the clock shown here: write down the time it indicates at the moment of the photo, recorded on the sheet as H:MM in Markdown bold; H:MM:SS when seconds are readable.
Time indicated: **9:05**
